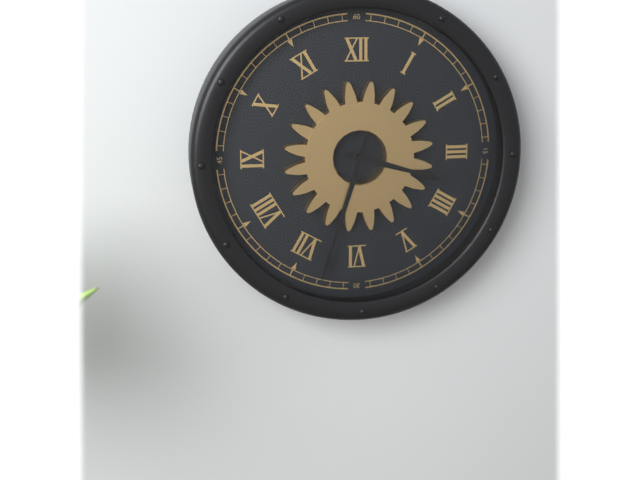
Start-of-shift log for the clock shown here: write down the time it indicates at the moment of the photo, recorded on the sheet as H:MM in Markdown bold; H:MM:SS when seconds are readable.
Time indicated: **3:33**
